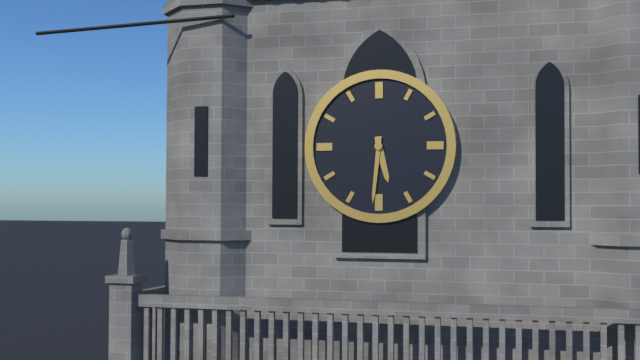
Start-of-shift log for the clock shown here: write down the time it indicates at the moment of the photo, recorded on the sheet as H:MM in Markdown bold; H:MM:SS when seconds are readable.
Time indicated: **5:31**
